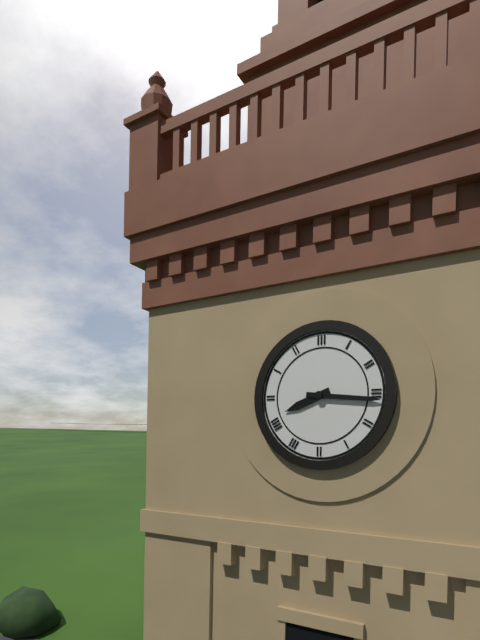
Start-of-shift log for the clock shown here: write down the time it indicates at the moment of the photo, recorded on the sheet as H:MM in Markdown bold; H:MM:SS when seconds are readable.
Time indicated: **8:16**
